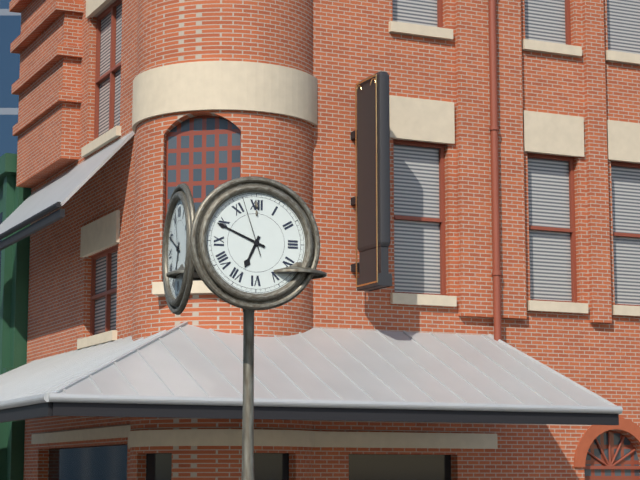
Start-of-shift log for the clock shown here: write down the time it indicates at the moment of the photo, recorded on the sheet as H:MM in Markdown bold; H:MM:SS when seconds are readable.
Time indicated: **6:49:57**
